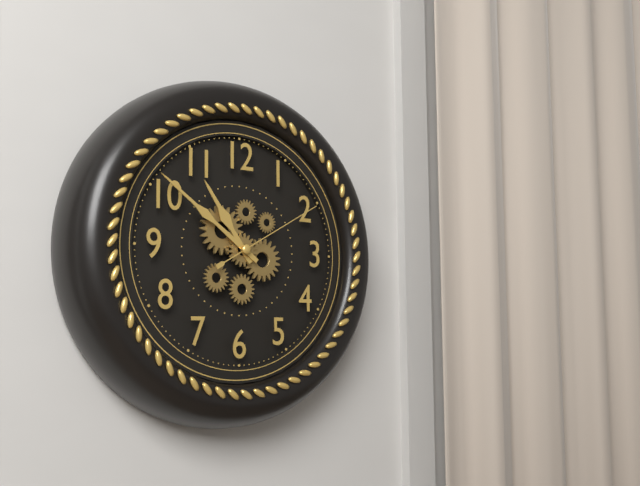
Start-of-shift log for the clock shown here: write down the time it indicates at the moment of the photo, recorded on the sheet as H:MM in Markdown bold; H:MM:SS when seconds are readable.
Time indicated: **10:51:10**
